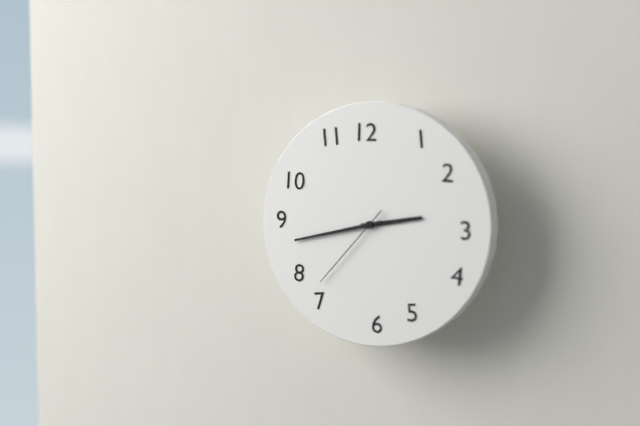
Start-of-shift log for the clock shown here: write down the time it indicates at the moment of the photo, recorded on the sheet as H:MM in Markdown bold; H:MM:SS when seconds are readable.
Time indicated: **2:43:37**
